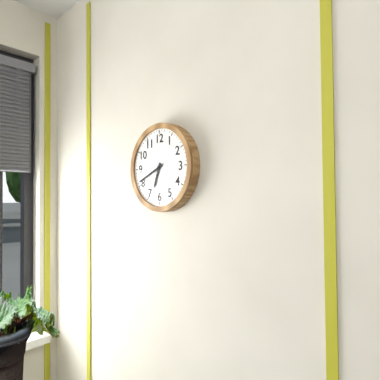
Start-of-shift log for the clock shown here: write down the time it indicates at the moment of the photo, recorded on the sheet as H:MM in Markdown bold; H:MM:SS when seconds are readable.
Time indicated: **6:41**
